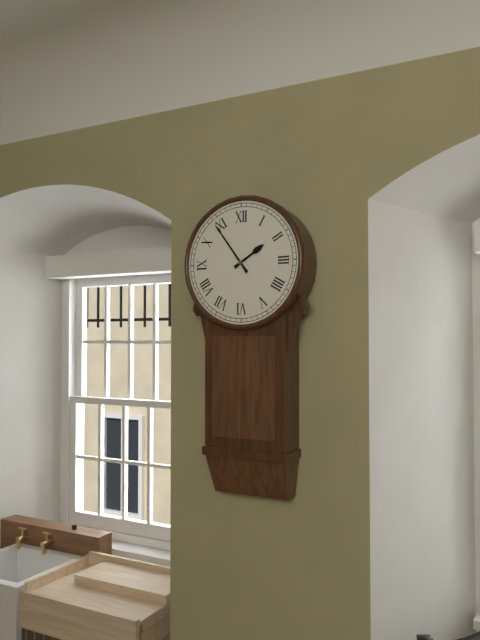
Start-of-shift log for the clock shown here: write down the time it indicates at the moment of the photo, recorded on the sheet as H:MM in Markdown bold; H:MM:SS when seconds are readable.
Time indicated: **1:54**
